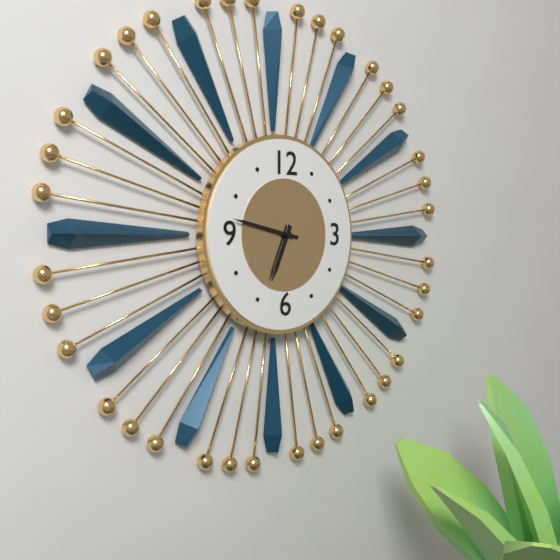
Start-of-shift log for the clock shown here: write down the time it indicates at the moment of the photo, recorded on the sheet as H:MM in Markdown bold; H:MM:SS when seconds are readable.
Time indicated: **6:47**
